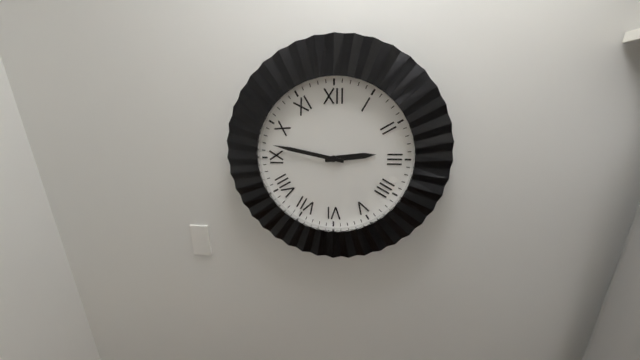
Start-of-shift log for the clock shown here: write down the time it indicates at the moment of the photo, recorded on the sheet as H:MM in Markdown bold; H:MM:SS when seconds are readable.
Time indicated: **2:47**
